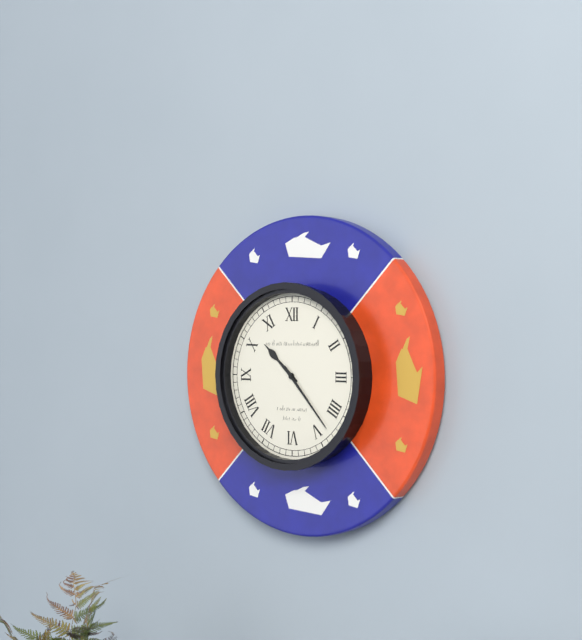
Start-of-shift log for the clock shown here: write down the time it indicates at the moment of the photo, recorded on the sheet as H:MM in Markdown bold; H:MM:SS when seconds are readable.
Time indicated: **10:23**
